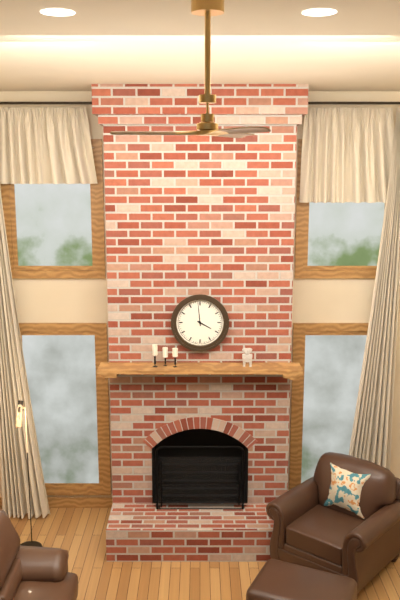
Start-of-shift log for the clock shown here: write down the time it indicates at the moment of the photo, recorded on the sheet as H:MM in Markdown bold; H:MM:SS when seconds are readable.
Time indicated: **3:59**
